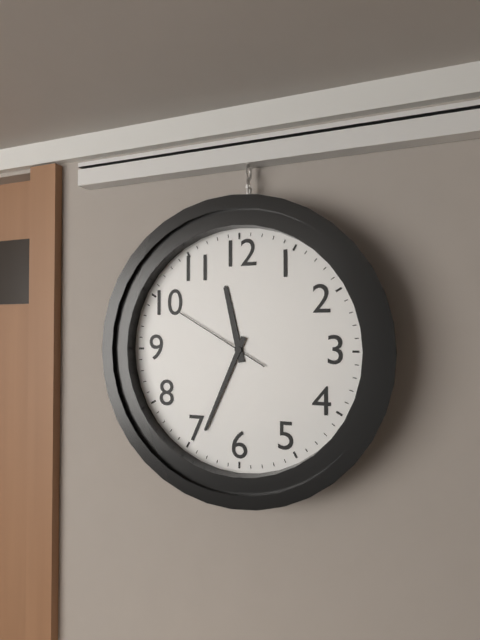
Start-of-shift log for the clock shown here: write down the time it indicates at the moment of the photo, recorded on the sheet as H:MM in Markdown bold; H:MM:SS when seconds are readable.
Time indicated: **11:34:50**
